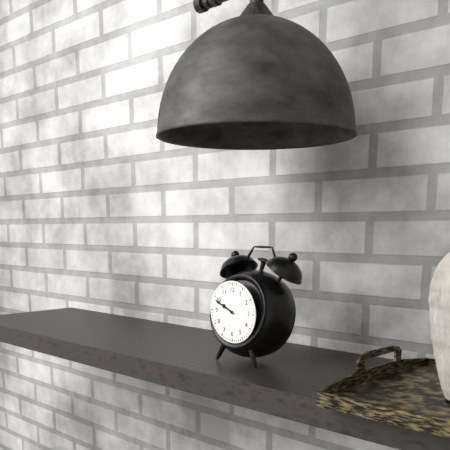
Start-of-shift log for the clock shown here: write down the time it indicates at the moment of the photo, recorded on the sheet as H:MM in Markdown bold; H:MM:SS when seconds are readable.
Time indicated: **9:49**
